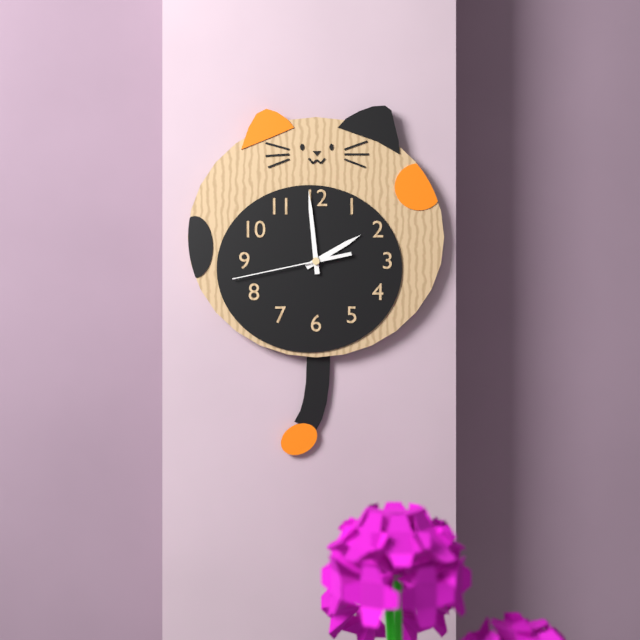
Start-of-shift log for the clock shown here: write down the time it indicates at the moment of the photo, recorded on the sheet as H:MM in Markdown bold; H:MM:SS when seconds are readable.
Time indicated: **1:59:43**
